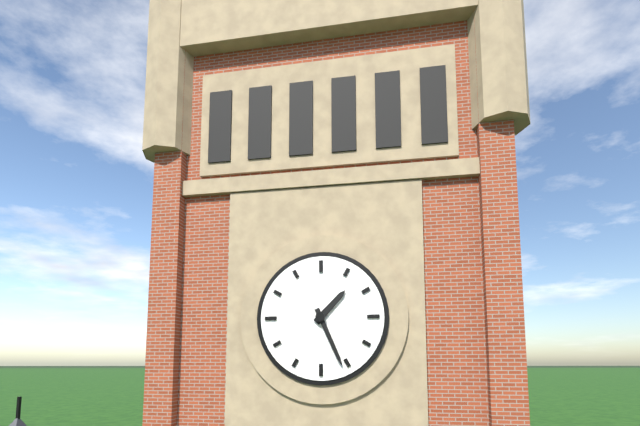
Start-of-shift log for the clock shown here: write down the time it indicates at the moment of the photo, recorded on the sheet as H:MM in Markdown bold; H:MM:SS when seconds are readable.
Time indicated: **1:26**
